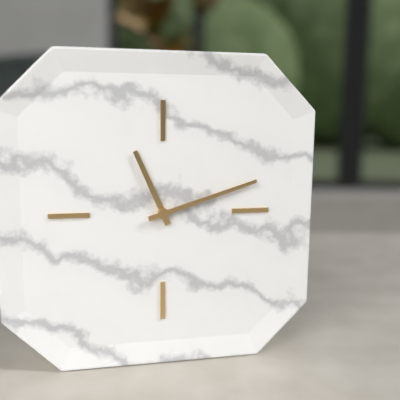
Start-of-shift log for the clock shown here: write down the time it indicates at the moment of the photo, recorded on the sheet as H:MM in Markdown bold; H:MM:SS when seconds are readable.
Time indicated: **11:12**
